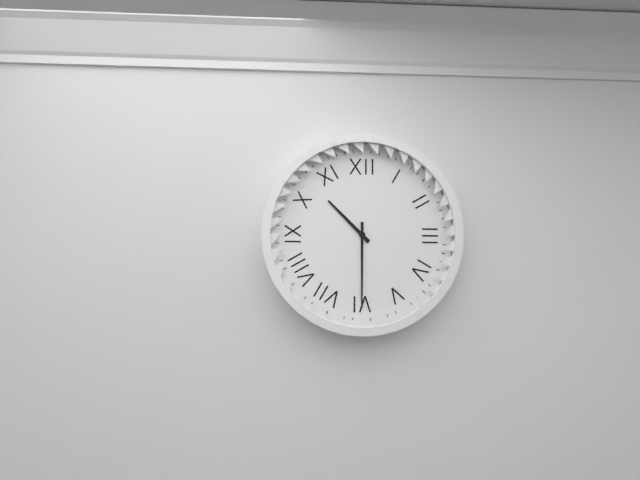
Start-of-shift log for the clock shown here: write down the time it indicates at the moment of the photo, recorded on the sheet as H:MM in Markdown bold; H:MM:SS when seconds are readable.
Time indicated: **10:30**
